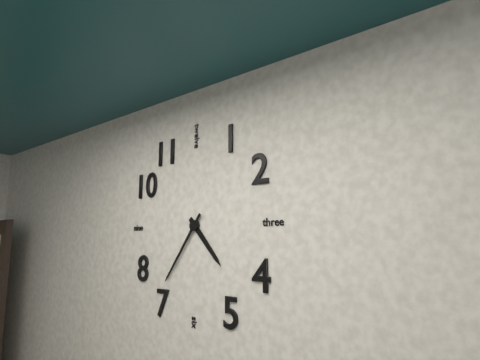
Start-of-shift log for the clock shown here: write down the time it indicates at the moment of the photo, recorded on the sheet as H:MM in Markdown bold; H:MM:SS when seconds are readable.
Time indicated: **4:36**
